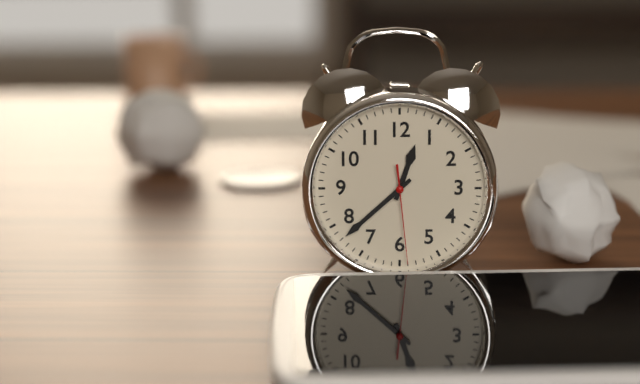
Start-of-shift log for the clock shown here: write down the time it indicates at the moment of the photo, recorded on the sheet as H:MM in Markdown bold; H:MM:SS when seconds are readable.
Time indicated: **12:38:29**
